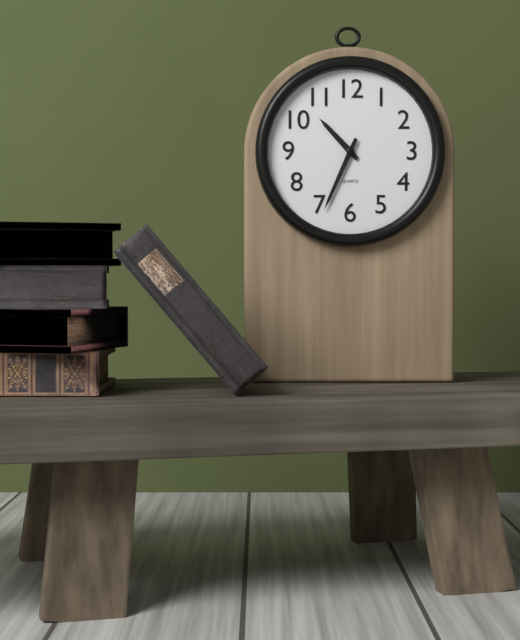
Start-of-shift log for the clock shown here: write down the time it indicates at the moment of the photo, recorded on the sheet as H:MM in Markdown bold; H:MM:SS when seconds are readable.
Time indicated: **10:34**
